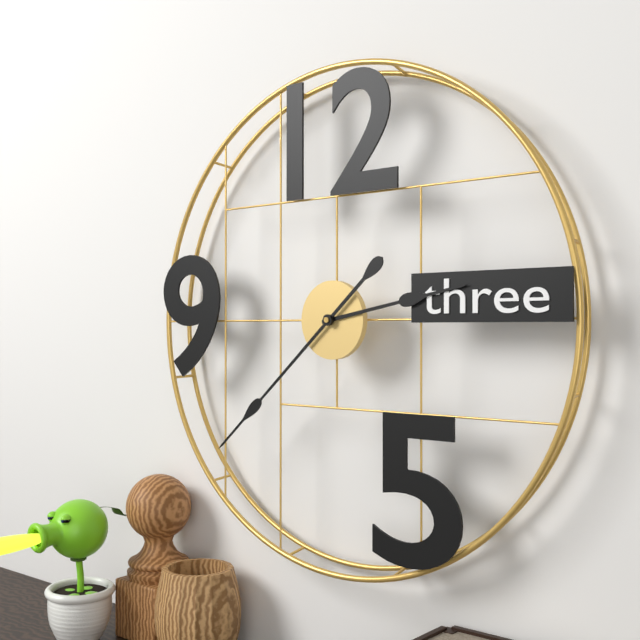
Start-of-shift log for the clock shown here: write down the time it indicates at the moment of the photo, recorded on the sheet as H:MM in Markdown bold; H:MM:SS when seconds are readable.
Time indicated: **2:38**
